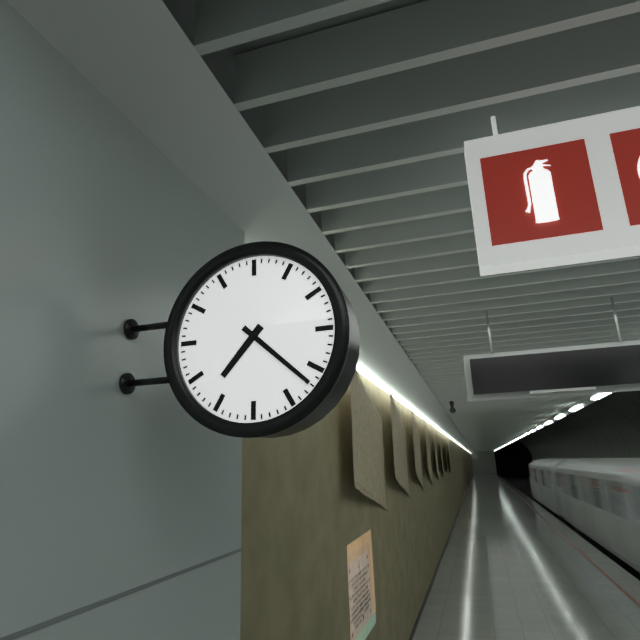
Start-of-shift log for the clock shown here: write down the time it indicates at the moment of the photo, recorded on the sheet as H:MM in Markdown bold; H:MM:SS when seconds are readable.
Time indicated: **7:22**
